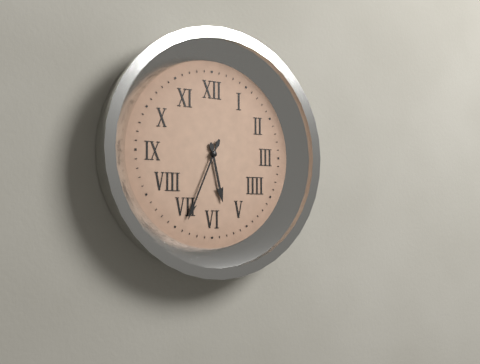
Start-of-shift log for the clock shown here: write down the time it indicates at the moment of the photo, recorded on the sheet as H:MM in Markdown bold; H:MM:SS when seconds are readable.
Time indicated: **5:34**
